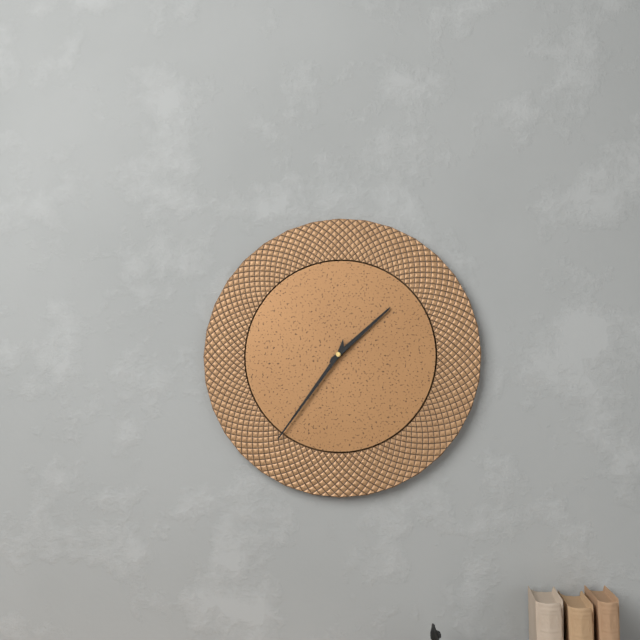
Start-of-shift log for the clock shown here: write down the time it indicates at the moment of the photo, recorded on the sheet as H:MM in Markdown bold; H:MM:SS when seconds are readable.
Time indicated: **1:36**
